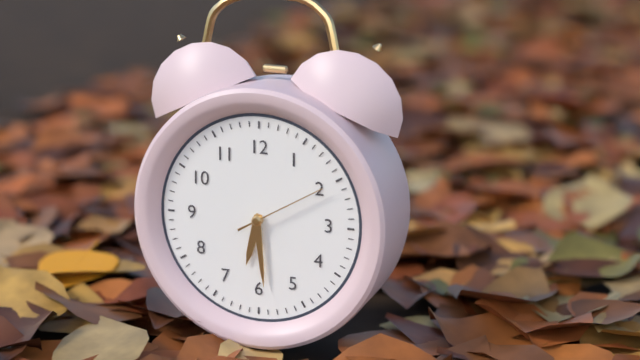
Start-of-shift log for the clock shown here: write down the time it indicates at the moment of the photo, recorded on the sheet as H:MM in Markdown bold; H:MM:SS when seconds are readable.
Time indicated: **6:29:10**
